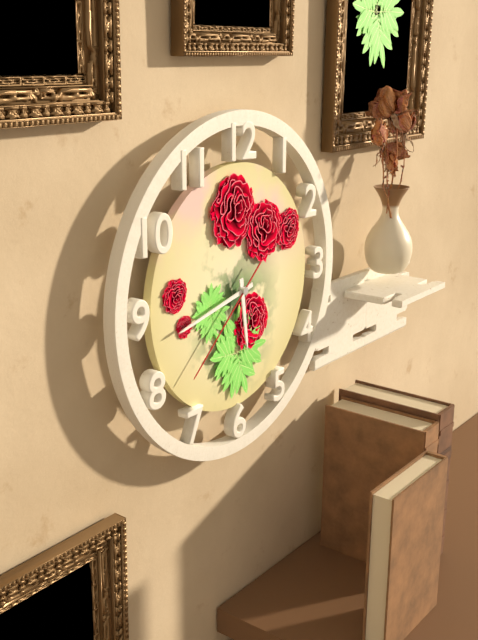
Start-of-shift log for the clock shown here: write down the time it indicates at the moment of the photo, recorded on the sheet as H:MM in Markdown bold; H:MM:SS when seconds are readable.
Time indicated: **5:43:38**
